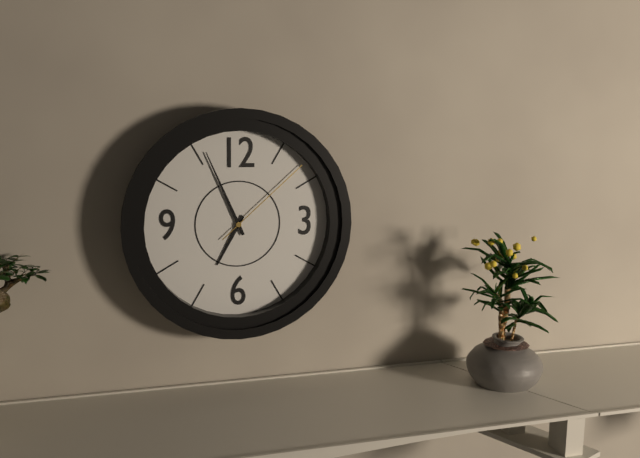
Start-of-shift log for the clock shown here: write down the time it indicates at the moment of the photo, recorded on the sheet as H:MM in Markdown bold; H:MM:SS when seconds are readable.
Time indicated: **6:56:08**
